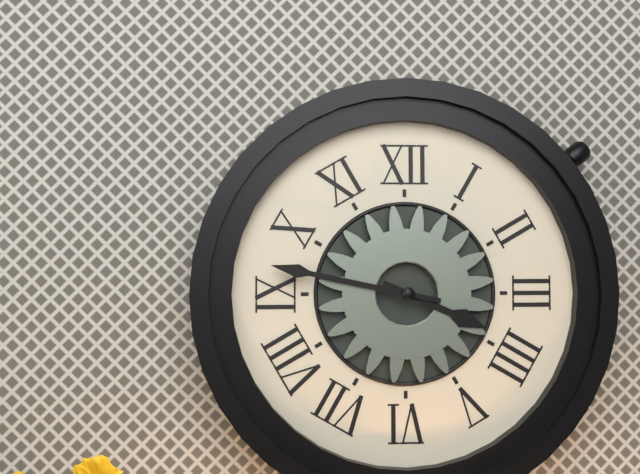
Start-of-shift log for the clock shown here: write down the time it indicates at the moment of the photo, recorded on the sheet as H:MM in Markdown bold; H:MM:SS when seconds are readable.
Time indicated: **3:47**
